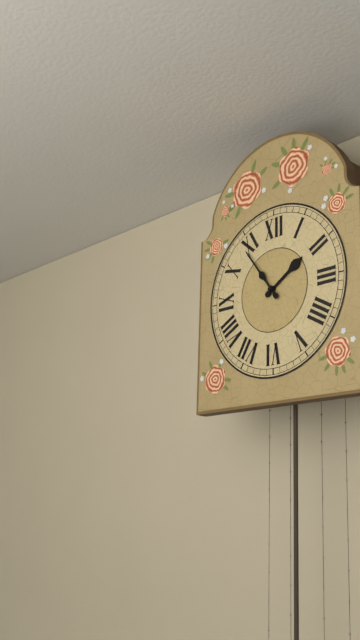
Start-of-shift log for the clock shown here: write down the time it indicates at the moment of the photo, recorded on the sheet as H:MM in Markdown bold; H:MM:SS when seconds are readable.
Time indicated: **1:54**
